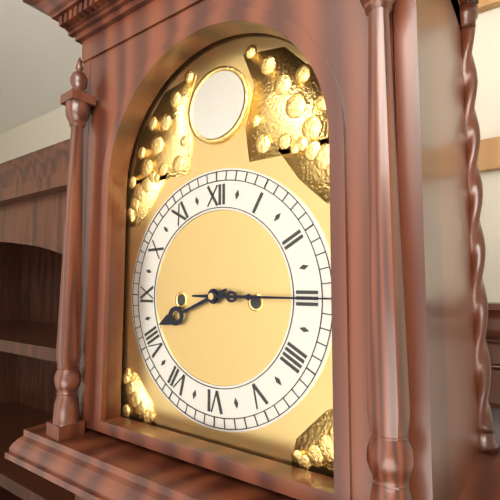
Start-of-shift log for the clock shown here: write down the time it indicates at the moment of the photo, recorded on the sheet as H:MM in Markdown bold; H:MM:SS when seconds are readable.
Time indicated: **8:15**
